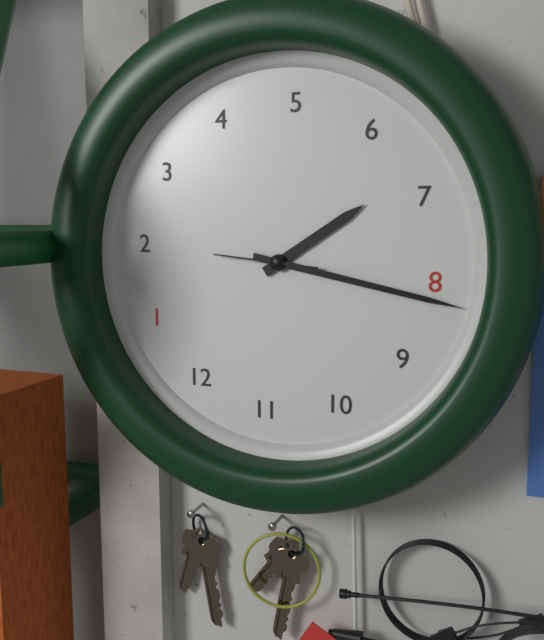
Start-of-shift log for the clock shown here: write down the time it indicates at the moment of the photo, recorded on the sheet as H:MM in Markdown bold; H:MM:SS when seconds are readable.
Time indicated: **6:41:10**
